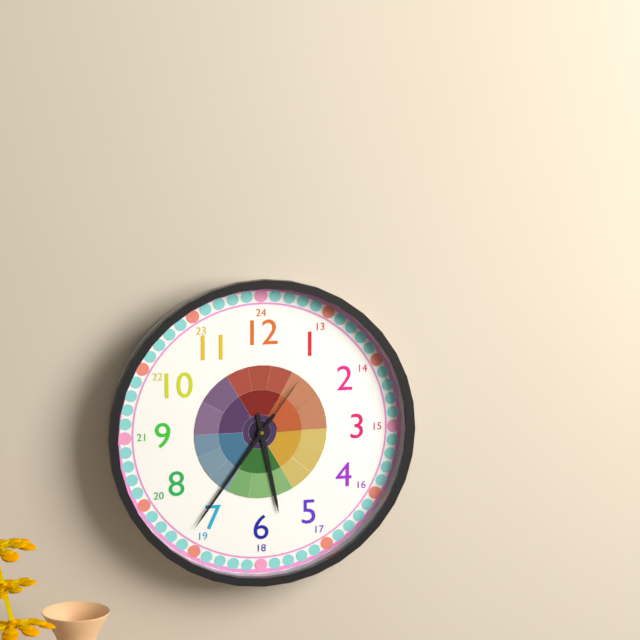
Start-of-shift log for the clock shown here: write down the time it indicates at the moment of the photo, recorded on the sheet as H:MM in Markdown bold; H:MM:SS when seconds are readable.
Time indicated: **5:36:06**
